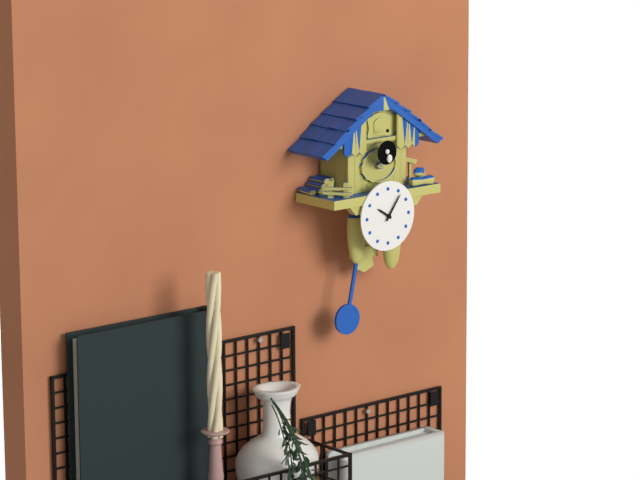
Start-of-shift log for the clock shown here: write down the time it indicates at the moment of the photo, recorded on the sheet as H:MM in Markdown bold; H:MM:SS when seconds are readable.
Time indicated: **10:06**
